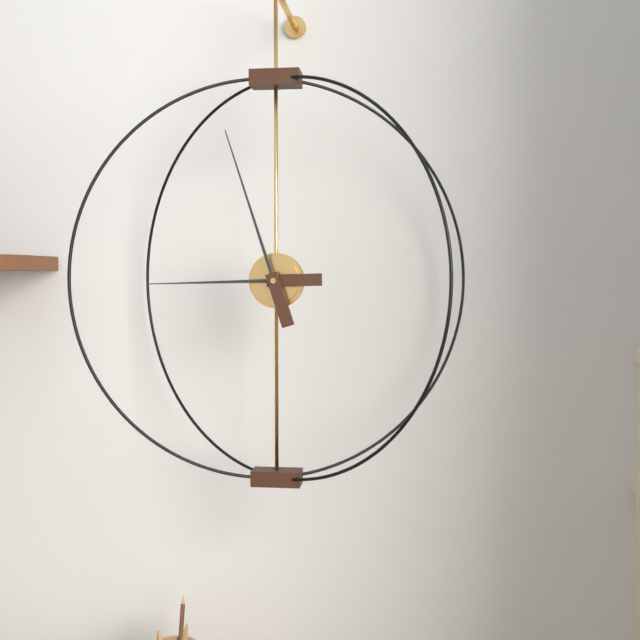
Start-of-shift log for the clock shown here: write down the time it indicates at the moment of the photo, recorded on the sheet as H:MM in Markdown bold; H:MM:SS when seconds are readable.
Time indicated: **8:57**
